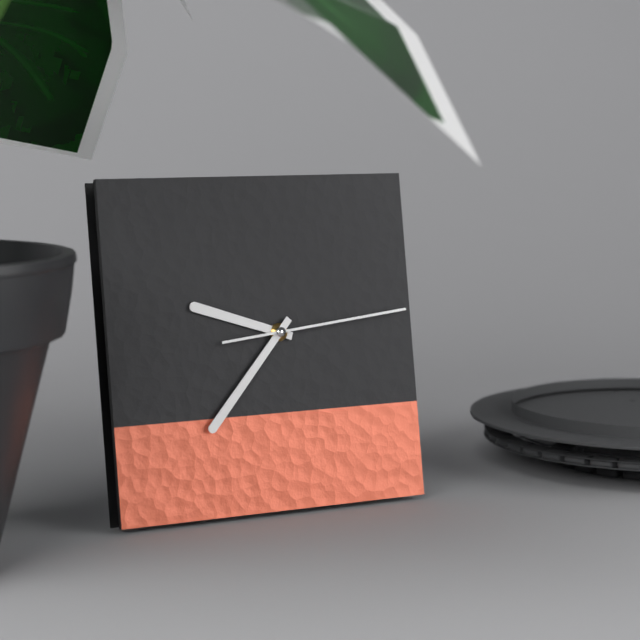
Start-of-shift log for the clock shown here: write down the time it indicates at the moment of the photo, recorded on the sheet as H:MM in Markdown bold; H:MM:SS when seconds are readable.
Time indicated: **9:37:14**
